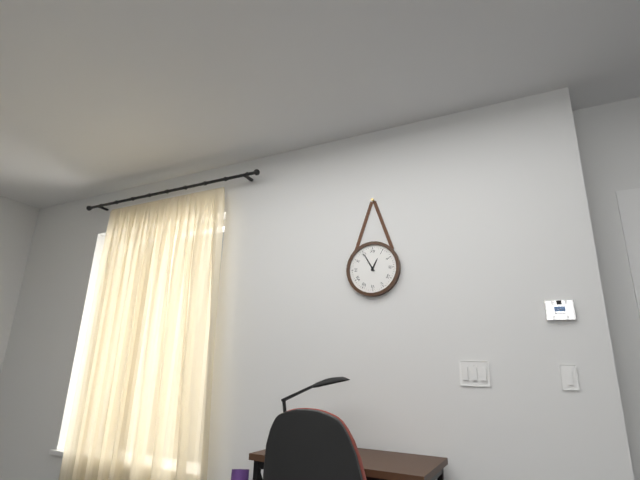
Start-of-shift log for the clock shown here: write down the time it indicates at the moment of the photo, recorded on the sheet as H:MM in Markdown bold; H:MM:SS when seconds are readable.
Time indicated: **12:55**
